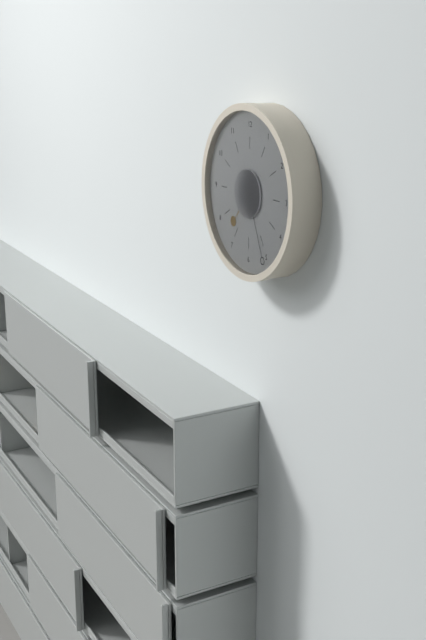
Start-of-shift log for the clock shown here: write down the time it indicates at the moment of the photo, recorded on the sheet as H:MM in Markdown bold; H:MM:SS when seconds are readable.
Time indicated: **7:26**
